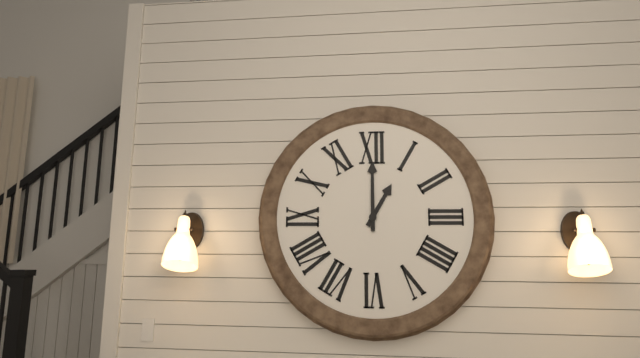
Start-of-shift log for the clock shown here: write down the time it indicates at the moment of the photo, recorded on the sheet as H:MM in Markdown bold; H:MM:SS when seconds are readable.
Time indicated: **1:00**
